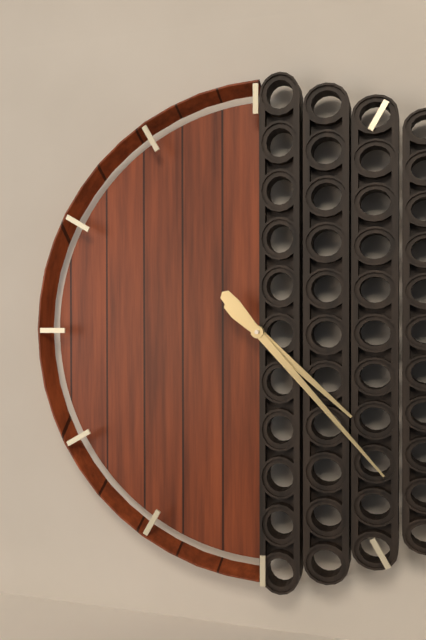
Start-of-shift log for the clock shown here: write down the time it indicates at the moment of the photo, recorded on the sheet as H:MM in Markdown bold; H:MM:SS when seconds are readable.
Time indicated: **4:23**
